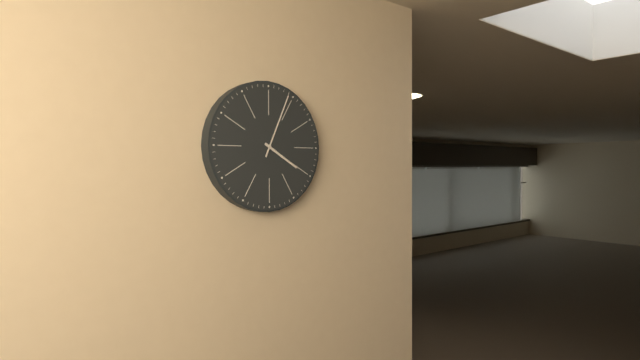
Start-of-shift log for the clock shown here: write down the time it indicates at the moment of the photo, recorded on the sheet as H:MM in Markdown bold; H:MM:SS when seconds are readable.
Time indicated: **4:04**
